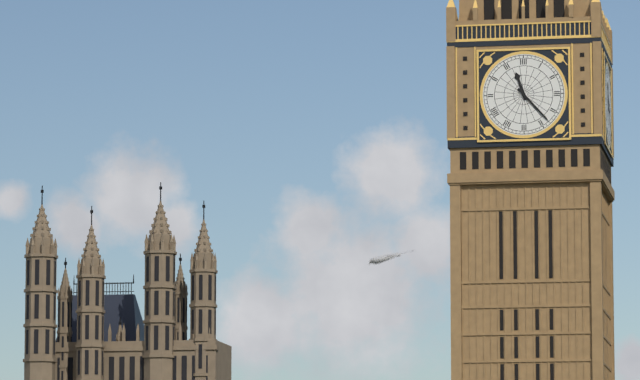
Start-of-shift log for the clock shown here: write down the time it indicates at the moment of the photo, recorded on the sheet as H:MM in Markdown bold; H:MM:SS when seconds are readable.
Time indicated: **11:23**
